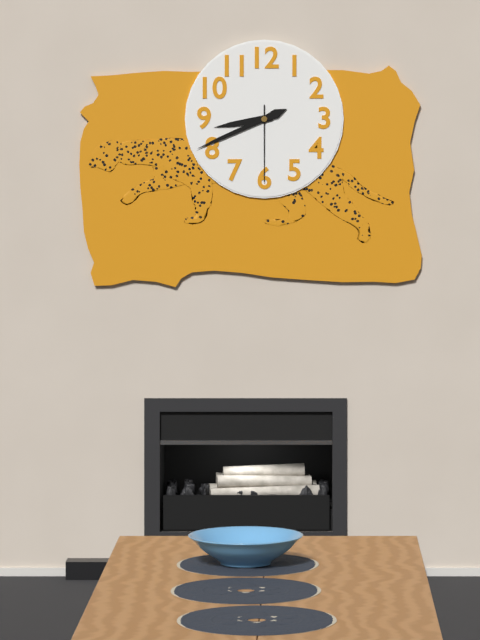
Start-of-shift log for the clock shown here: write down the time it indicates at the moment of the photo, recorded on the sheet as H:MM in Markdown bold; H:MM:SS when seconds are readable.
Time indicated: **8:41:30**
